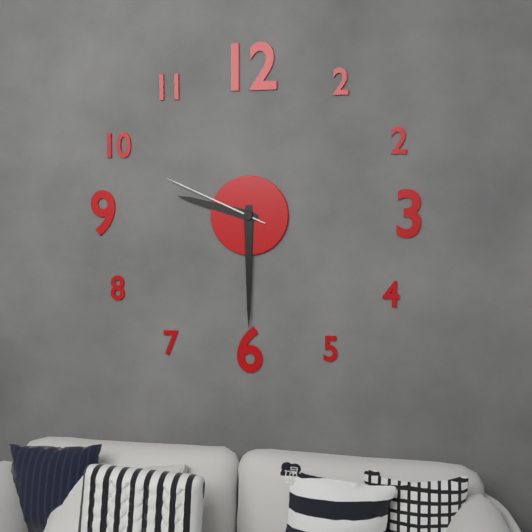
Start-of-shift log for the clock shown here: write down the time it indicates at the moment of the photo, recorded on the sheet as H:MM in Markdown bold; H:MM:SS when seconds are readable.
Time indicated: **9:30:49**
